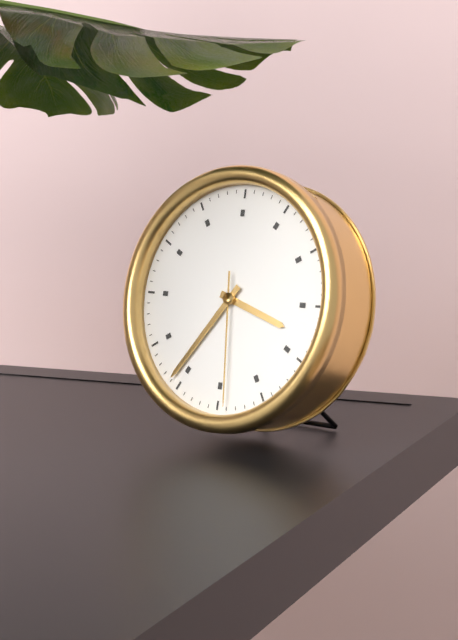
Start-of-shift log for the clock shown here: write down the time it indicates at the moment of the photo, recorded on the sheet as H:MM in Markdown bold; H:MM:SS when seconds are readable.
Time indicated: **3:36:29**
